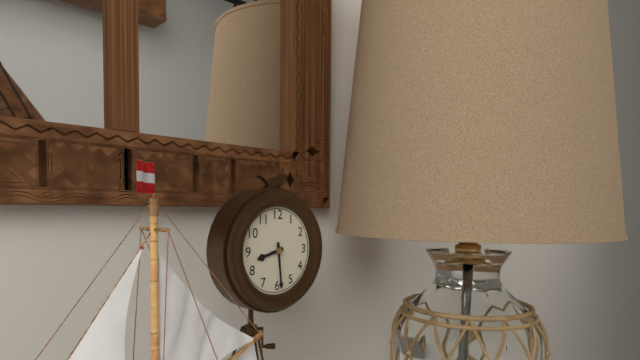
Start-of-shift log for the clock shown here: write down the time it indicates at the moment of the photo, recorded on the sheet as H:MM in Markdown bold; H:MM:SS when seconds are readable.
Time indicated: **8:29**
